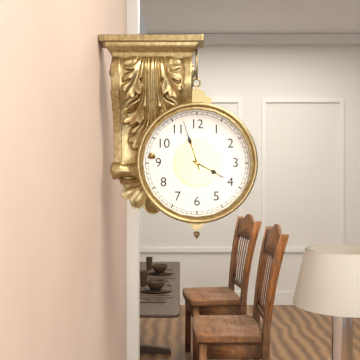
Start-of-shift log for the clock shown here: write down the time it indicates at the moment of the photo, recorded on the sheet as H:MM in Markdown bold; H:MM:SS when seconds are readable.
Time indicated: **3:57**
